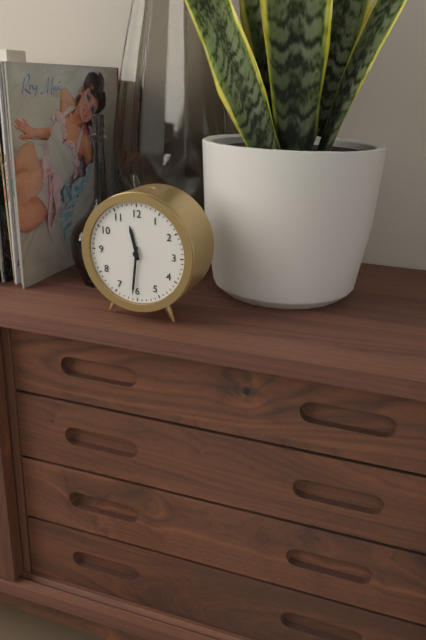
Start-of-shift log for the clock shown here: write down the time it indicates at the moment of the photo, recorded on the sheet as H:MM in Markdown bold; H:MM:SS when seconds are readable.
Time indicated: **11:31**
